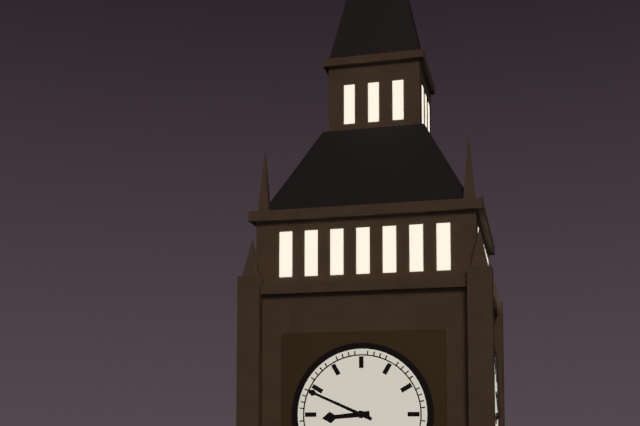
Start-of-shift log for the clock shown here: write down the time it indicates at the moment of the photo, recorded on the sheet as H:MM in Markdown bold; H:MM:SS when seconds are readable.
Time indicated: **8:49**
